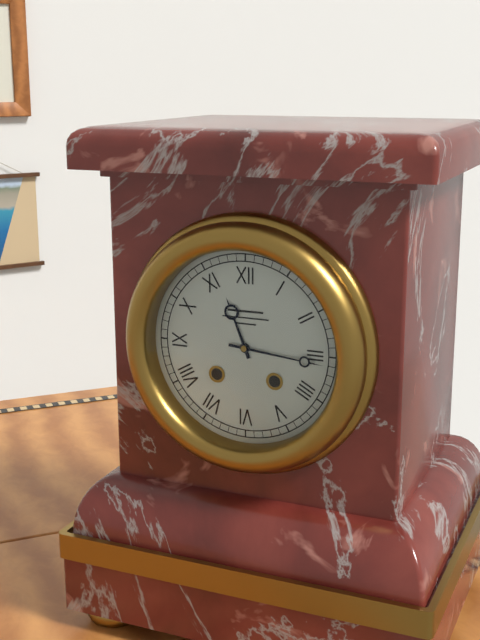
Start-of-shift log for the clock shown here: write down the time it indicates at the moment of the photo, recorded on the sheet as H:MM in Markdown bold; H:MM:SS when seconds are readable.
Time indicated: **11:16**
